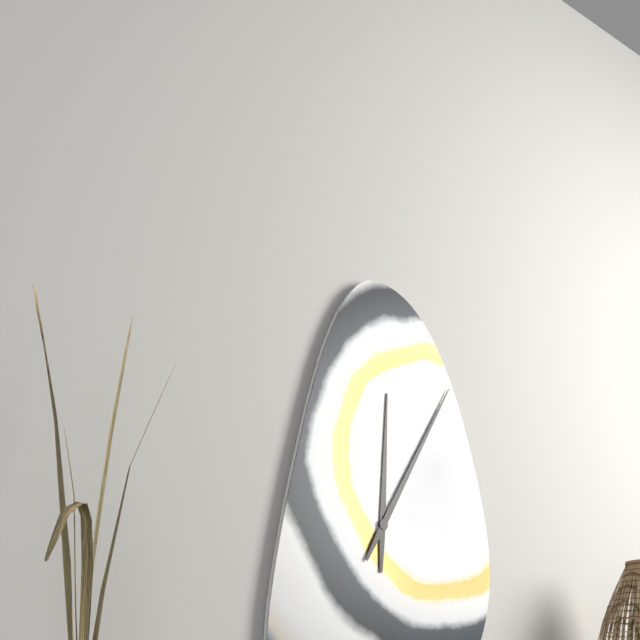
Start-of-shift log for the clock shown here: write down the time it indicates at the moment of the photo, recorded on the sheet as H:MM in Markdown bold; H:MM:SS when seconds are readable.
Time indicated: **12:05**
